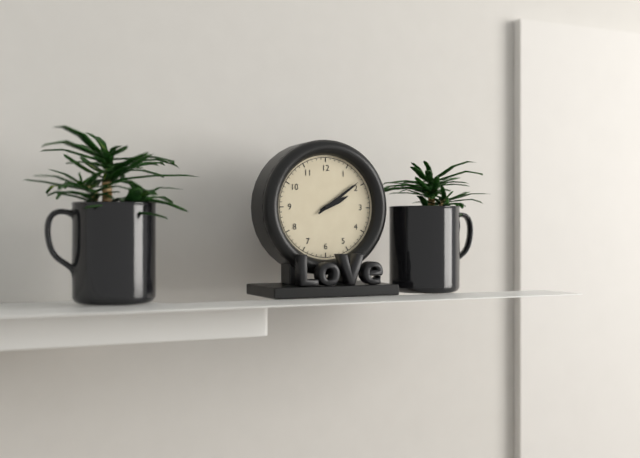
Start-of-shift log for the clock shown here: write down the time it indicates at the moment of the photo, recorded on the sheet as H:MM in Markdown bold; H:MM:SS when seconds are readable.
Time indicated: **2:09**
